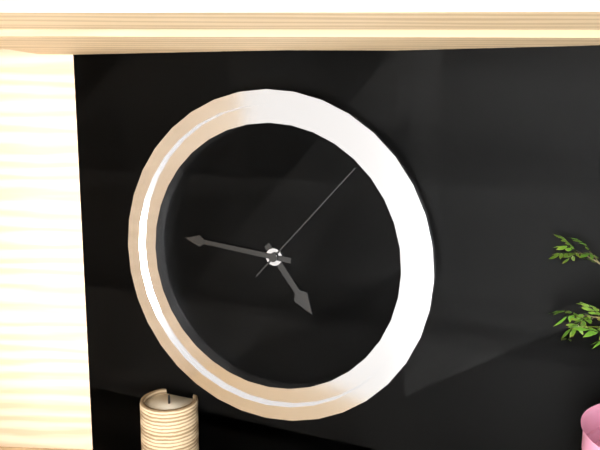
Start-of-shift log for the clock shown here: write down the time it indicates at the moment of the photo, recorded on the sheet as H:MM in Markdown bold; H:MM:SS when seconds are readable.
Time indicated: **4:46:07**
